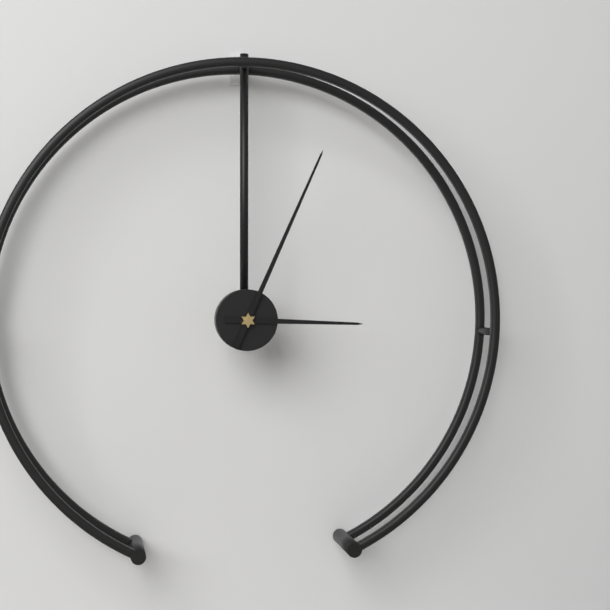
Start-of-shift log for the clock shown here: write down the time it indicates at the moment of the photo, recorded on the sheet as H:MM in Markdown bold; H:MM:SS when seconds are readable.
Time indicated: **3:04**
